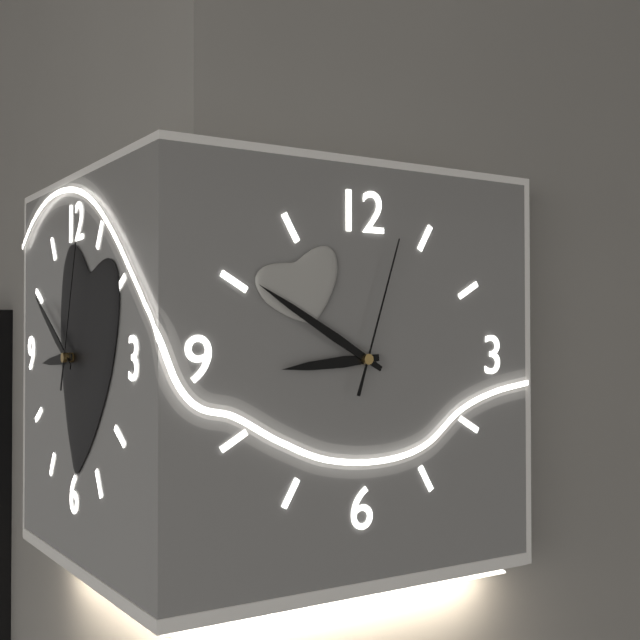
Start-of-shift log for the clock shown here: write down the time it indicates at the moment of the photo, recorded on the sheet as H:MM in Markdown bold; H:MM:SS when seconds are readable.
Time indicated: **8:50:03**
